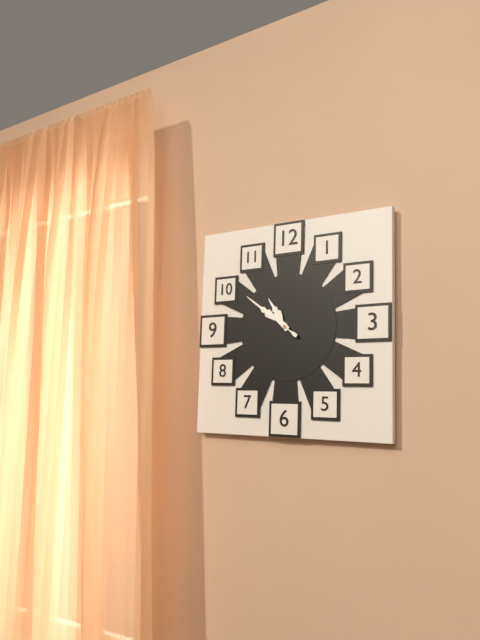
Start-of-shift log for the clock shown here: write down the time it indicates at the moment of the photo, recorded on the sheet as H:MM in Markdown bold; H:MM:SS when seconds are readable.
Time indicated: **10:51**
